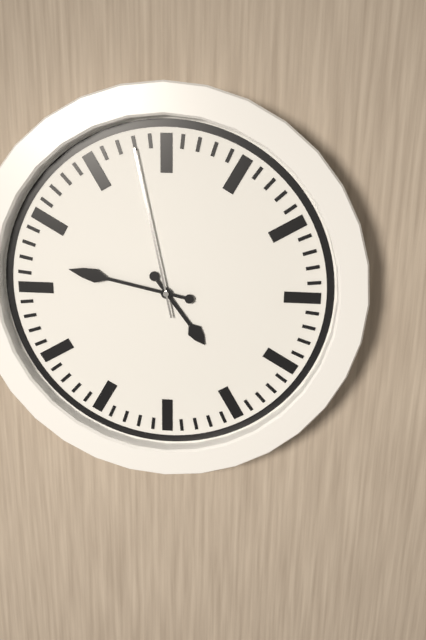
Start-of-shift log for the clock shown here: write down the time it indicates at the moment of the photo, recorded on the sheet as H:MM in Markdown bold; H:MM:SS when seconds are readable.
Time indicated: **4:47:58**
